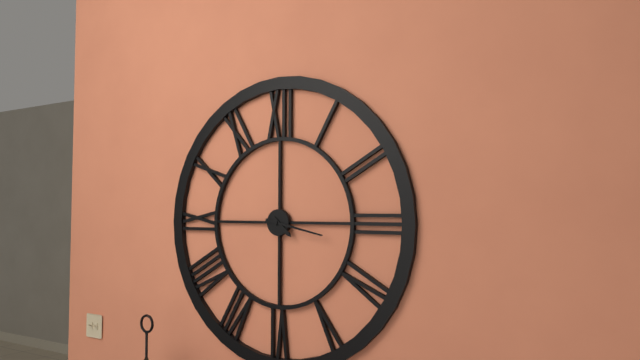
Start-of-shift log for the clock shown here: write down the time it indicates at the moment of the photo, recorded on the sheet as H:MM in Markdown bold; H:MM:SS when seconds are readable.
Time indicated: **4:17**
